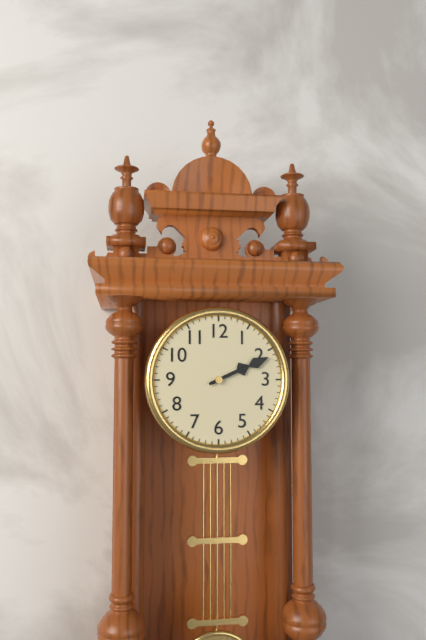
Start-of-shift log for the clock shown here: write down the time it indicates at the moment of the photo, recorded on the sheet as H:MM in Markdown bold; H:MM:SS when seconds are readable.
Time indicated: **2:11**
